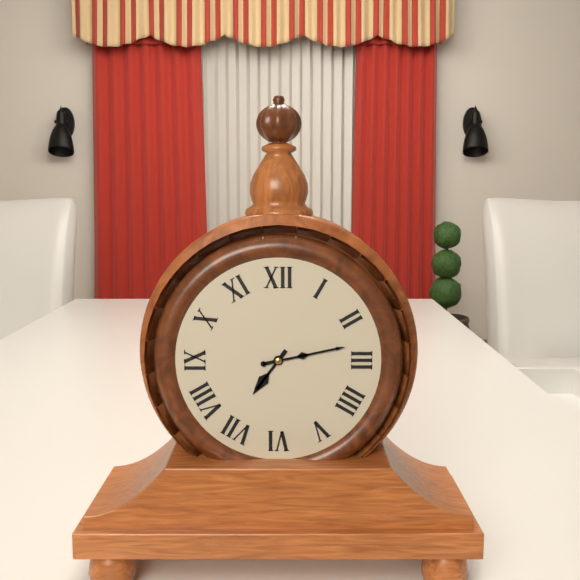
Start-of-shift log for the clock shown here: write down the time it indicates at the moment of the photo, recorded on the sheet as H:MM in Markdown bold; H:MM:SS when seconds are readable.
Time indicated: **7:13**
